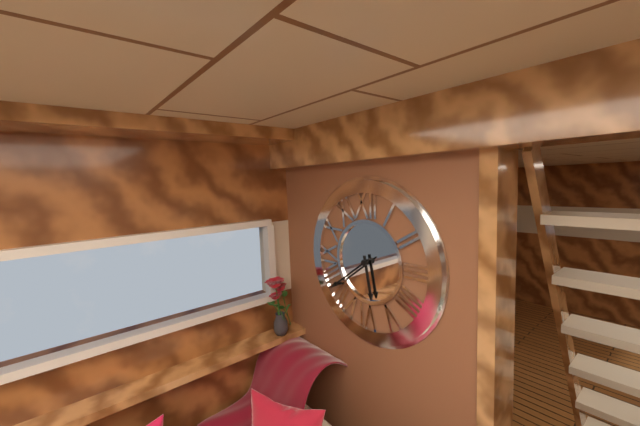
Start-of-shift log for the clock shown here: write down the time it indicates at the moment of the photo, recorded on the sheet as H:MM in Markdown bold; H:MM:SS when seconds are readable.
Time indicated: **5:39**
